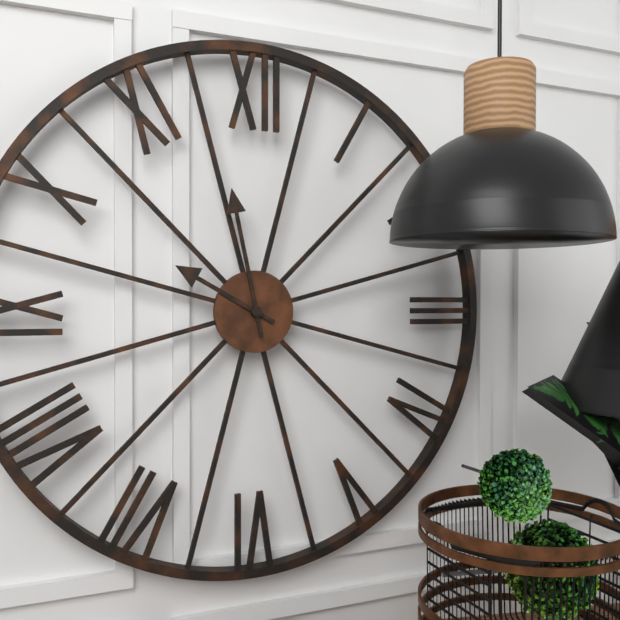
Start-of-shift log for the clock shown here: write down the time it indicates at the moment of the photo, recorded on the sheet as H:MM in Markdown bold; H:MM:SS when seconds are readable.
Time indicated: **9:58**
